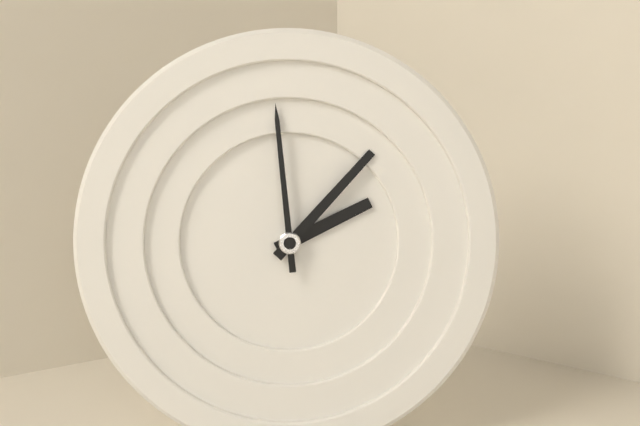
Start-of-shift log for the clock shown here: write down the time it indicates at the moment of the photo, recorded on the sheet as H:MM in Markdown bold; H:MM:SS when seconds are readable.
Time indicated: **2:07:59**
